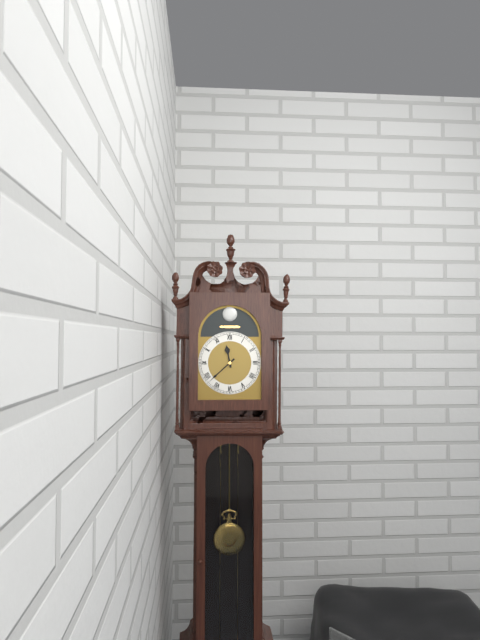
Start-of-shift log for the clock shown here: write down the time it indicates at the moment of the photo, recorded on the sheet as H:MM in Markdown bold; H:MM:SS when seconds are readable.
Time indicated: **11:38**
